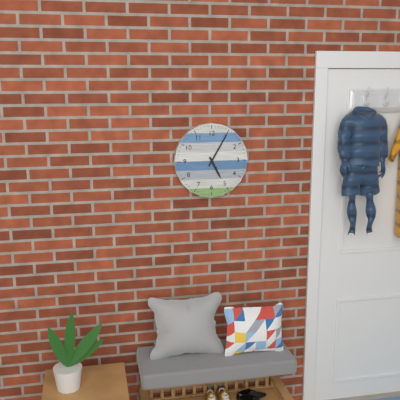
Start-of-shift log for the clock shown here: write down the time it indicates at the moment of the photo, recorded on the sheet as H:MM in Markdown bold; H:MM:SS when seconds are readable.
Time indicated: **5:05**
